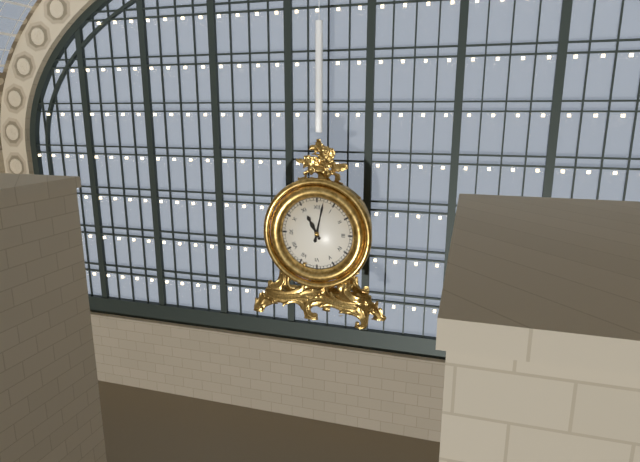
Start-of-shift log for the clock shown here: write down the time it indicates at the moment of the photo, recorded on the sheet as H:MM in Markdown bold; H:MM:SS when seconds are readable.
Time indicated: **11:02**
